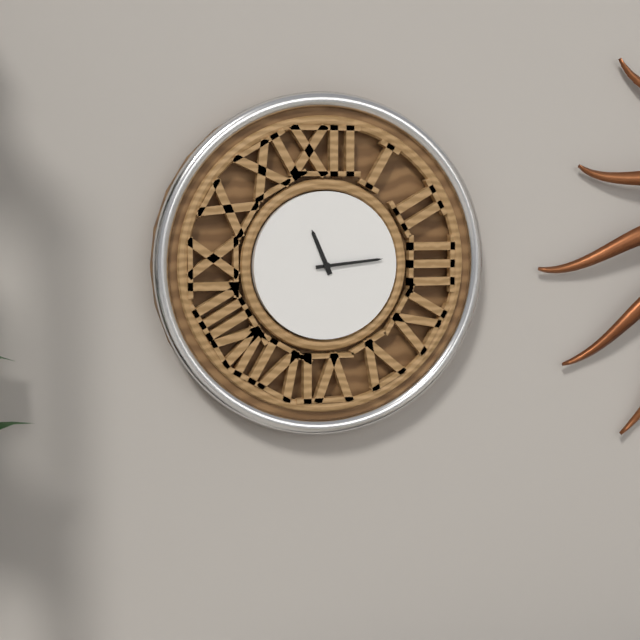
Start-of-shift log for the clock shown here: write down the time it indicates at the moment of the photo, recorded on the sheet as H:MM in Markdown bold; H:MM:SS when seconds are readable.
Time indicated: **11:14**
